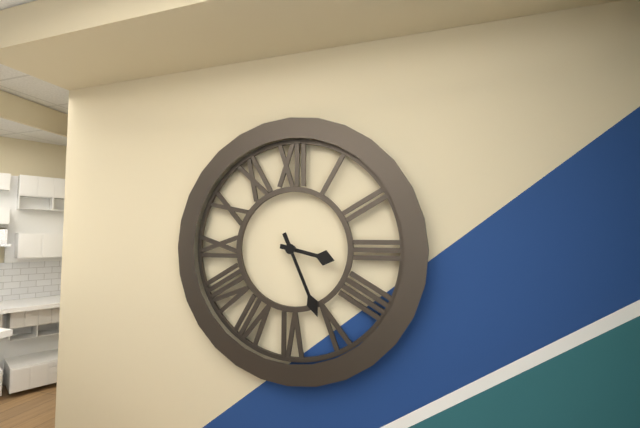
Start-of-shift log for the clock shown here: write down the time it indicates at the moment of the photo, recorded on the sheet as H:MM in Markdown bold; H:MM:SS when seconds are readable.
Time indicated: **3:26**
